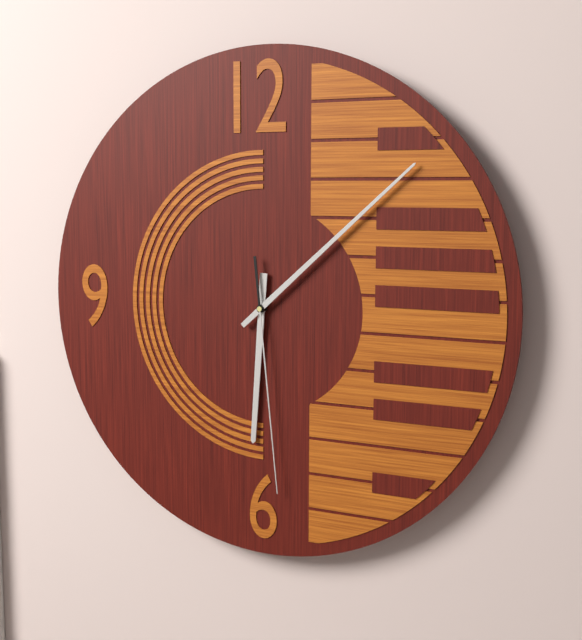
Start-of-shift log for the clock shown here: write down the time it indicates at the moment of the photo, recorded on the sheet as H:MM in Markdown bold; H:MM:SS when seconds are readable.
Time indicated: **6:08:29**
